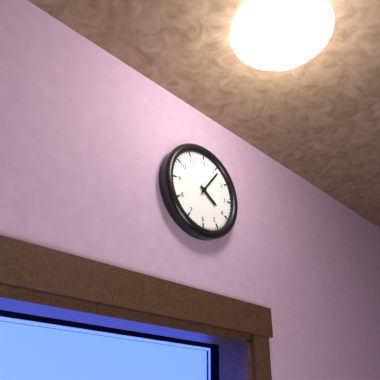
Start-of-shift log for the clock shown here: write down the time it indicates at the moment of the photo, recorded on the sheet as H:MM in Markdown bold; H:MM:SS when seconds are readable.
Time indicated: **4:06**
